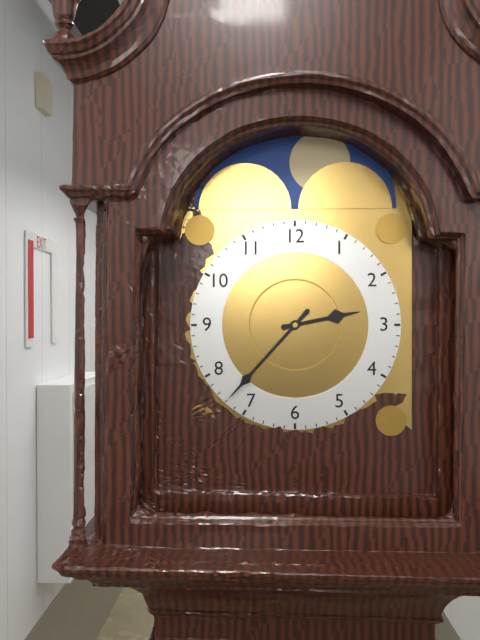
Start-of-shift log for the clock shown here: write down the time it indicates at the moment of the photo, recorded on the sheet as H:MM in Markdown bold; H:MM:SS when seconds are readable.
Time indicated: **2:37**
